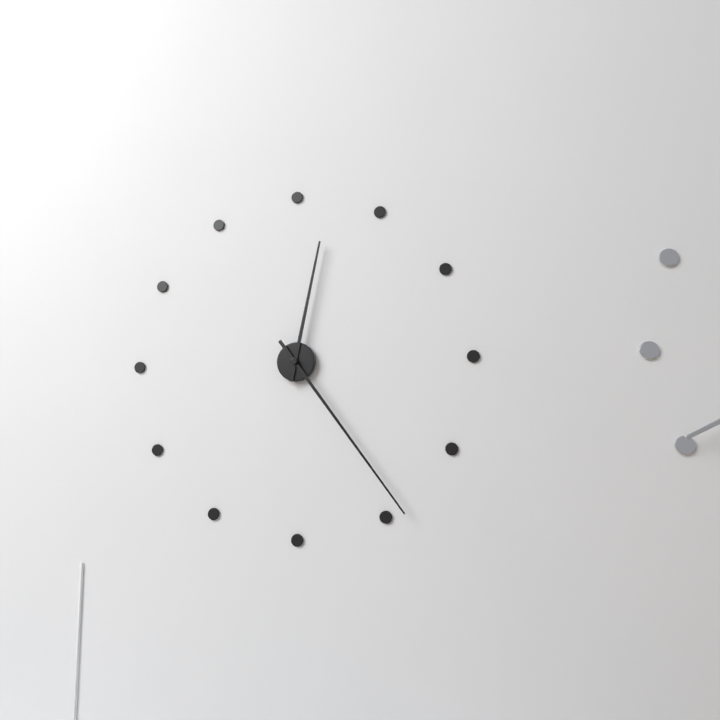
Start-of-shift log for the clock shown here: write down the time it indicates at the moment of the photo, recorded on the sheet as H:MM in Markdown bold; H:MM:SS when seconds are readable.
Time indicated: **12:24**
